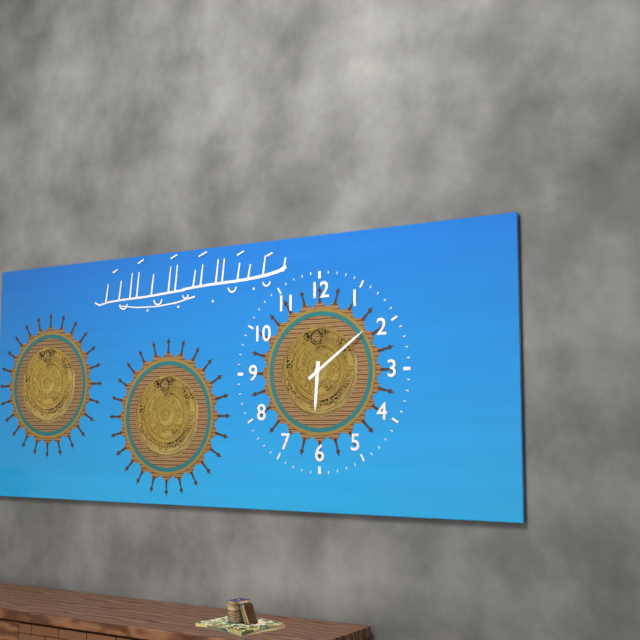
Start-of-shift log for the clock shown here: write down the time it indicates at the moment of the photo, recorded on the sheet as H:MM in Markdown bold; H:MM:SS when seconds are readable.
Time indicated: **6:09**
